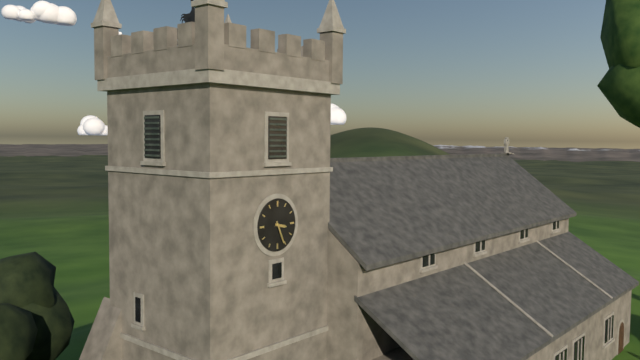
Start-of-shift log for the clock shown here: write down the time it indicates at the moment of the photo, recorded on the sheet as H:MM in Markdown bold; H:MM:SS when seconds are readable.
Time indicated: **3:26**
